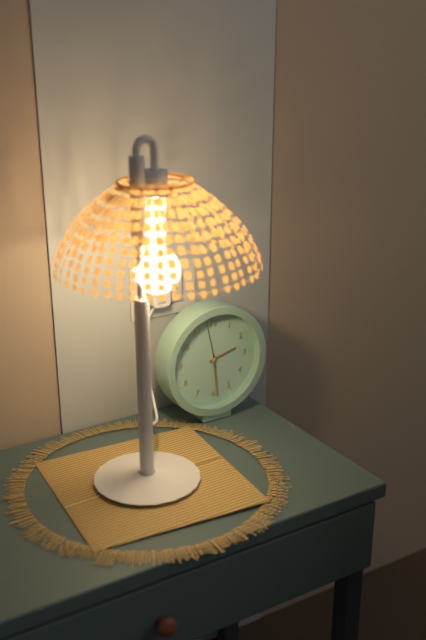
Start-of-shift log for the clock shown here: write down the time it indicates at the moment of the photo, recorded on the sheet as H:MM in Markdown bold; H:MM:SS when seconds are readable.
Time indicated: **2:29**
